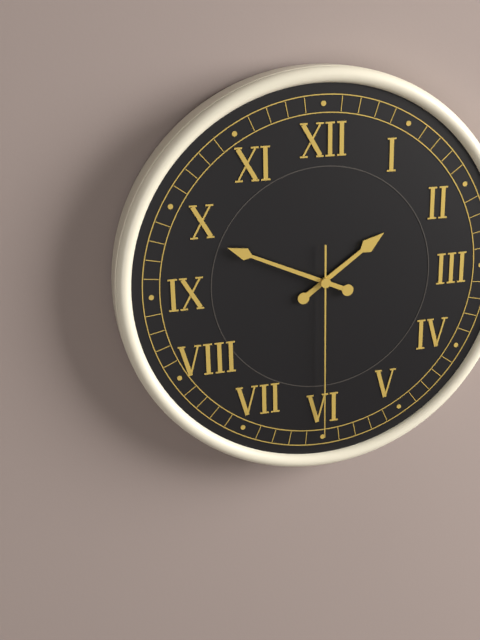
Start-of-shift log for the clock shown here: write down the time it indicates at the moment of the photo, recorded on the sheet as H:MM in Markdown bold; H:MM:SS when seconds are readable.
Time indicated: **1:49:30**
